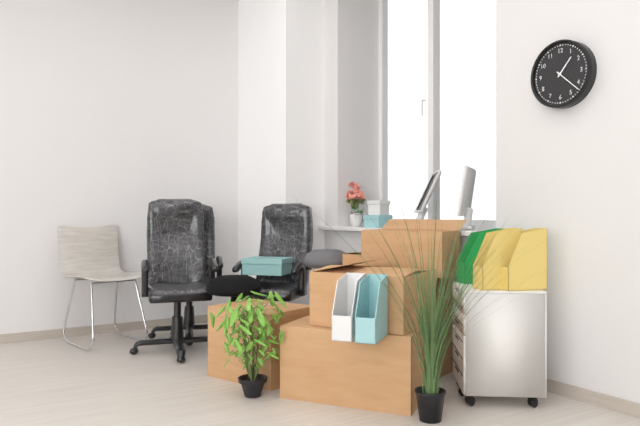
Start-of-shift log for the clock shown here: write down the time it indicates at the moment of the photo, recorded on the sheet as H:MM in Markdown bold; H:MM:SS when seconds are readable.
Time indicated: **1:22**
